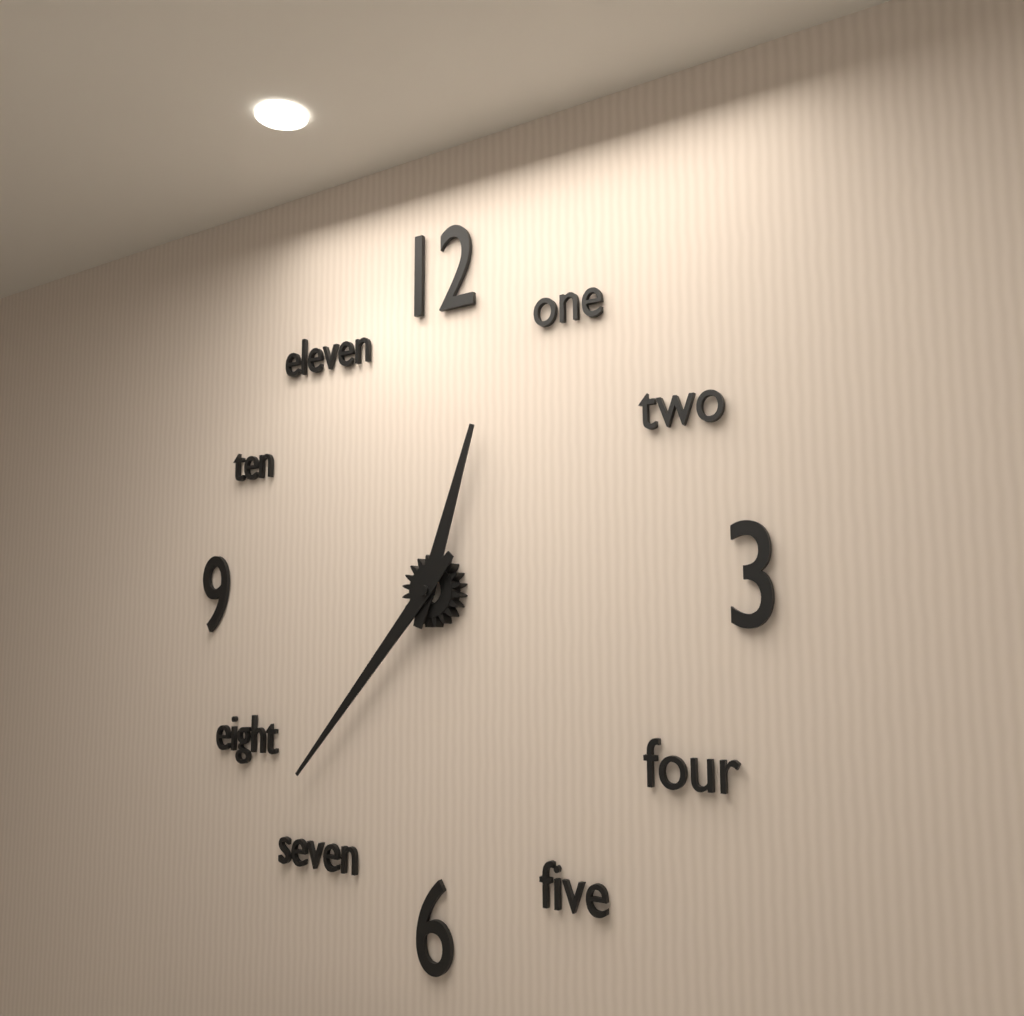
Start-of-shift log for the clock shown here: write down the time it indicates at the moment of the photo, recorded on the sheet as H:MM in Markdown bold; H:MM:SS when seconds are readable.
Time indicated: **12:37**
